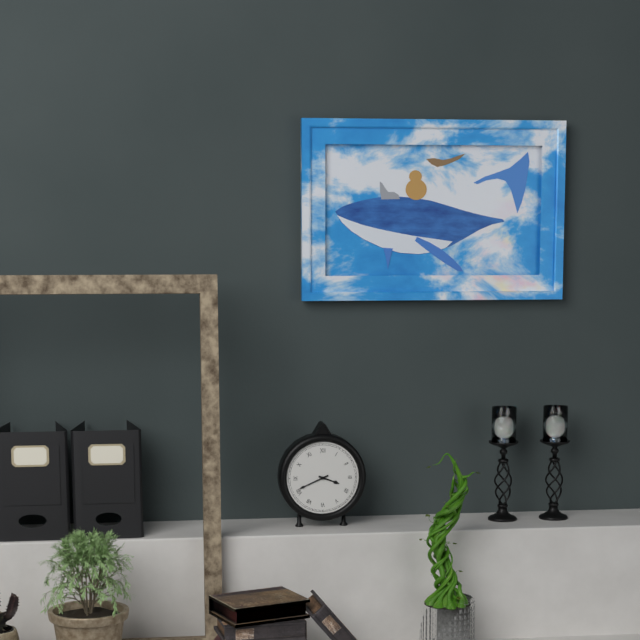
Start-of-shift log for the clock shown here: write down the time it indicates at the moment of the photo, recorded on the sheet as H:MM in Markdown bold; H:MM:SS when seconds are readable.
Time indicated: **3:41**
